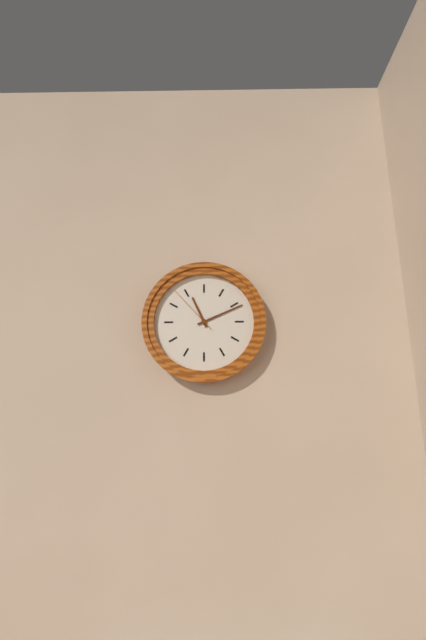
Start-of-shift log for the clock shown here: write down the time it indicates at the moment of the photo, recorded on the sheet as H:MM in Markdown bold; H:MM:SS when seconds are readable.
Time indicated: **11:11:53**
